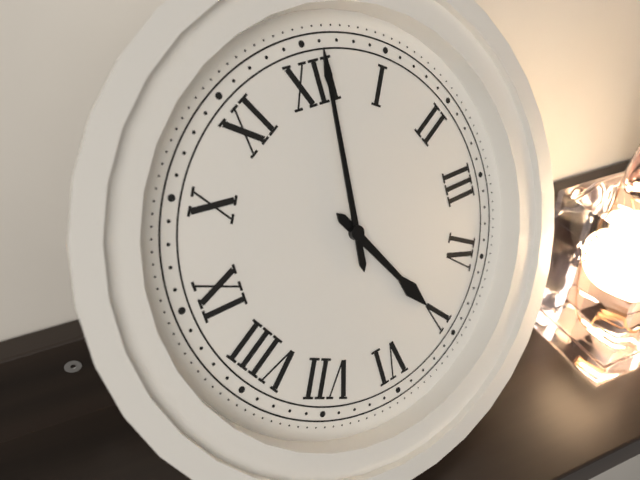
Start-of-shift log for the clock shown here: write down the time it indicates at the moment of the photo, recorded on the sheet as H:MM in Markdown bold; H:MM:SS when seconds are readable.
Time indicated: **5:01**
